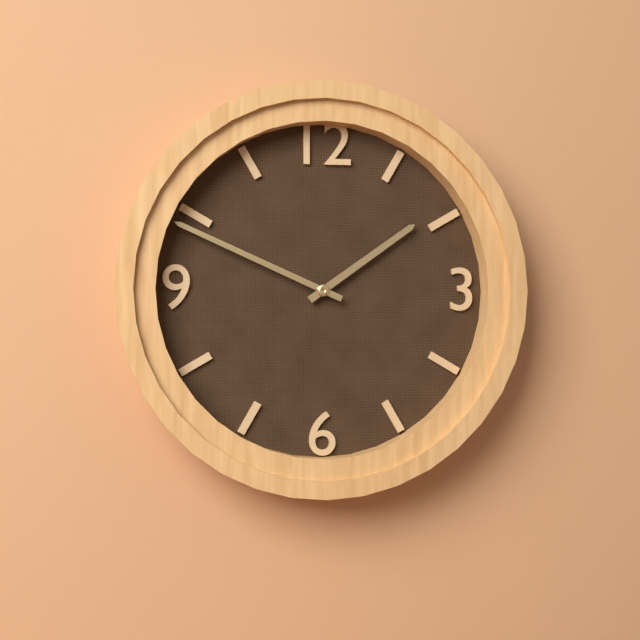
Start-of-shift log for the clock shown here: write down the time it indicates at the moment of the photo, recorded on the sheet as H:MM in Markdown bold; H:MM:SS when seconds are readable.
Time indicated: **1:49**
